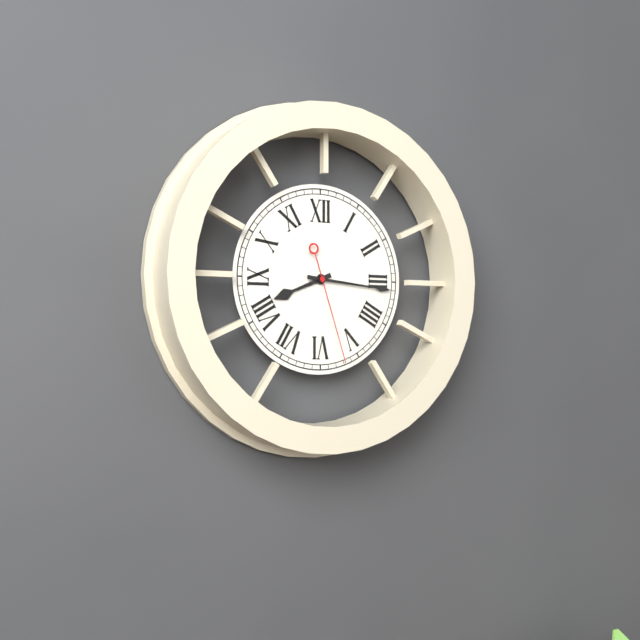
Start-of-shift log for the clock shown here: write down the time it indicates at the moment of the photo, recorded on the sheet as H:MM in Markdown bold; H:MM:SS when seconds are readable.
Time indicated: **8:16:27**
